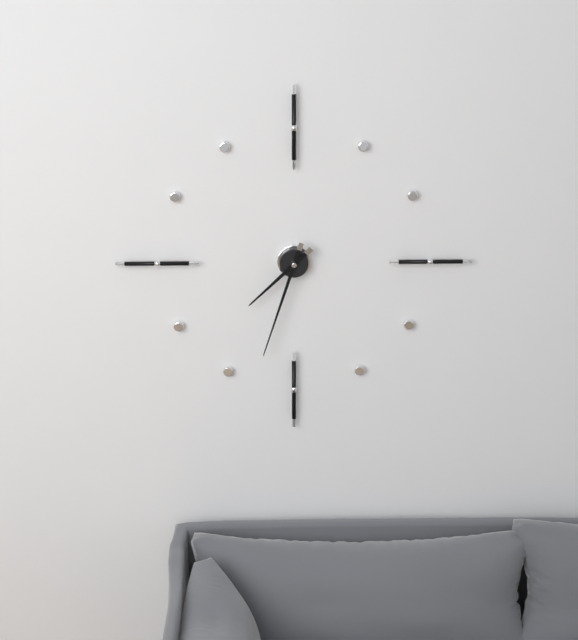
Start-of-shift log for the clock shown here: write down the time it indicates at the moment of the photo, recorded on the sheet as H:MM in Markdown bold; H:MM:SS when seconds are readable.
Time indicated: **7:33**
